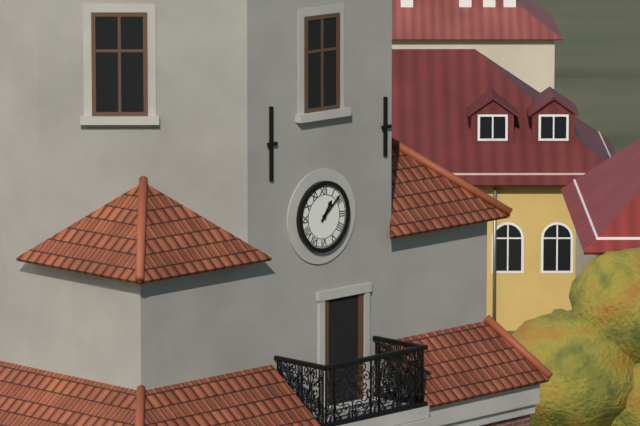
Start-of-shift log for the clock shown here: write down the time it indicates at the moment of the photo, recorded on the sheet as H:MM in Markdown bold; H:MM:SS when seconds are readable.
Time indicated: **1:08**
